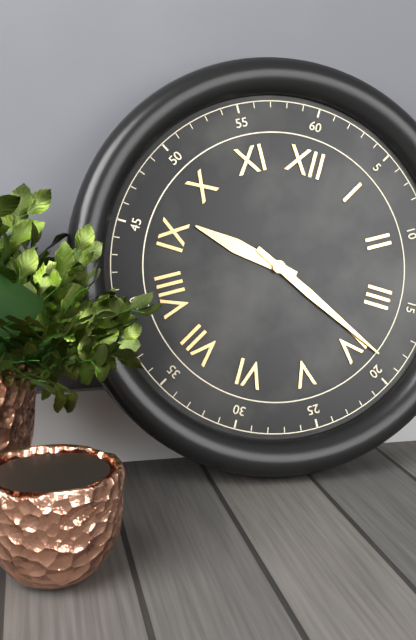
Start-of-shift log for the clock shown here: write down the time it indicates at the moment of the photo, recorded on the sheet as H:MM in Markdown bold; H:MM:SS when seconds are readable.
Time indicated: **9:19**
